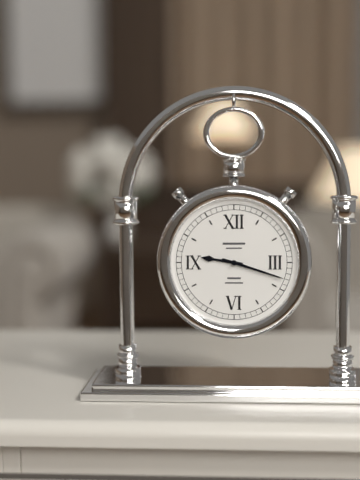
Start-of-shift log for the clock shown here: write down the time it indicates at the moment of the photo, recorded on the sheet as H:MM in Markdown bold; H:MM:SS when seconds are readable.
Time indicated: **9:18**
